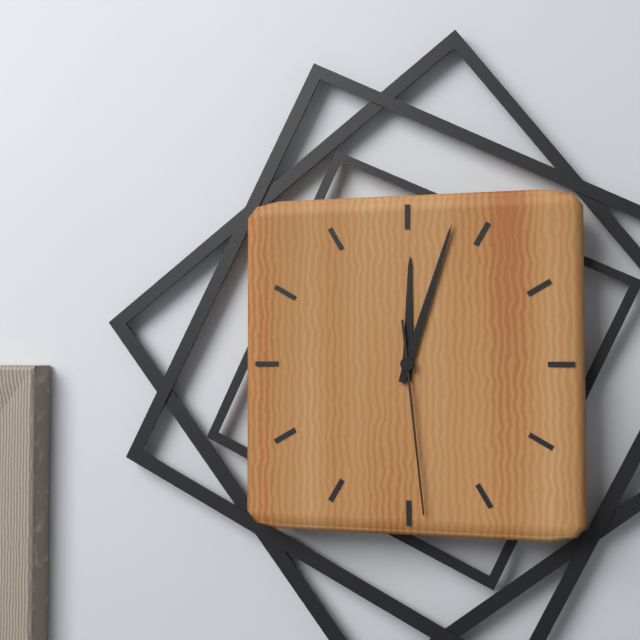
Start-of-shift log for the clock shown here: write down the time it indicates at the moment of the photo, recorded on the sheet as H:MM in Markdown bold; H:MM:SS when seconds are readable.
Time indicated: **12:03:29**
